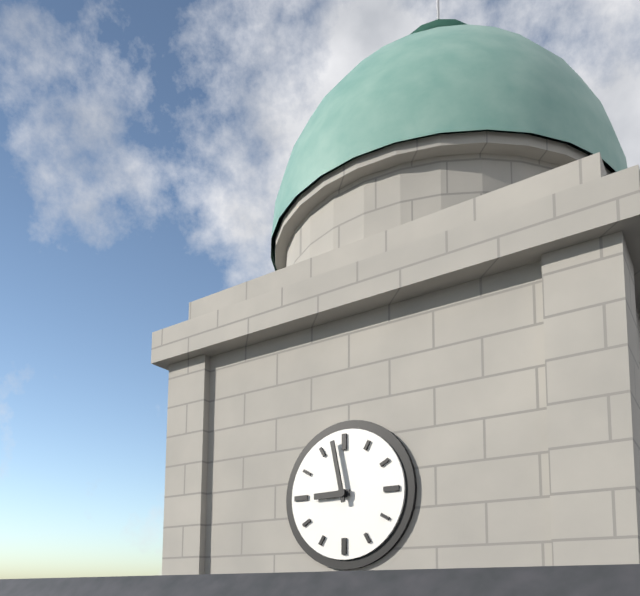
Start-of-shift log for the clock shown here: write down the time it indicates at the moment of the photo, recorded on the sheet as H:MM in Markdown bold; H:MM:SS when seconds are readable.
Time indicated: **8:58**
